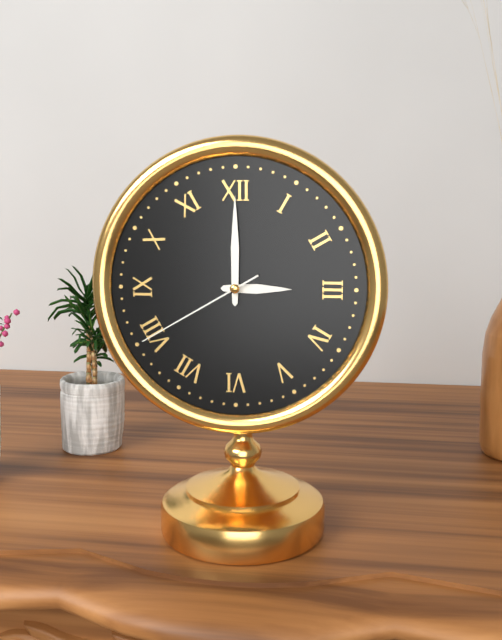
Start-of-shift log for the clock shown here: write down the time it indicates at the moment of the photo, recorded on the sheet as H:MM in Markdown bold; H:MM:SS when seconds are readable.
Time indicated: **3:00:40**
